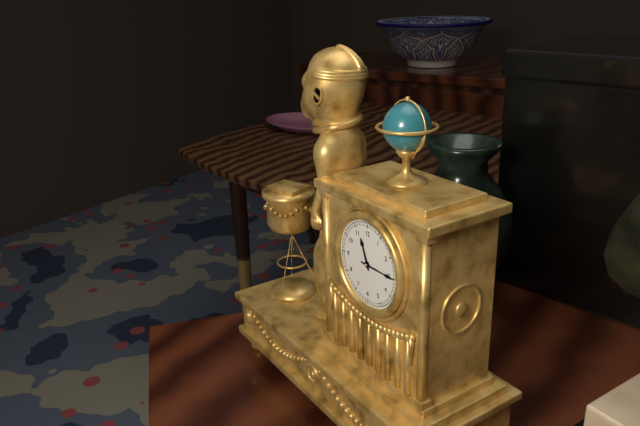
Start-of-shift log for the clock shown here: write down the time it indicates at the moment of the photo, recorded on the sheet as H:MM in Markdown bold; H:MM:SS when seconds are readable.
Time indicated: **11:15**
